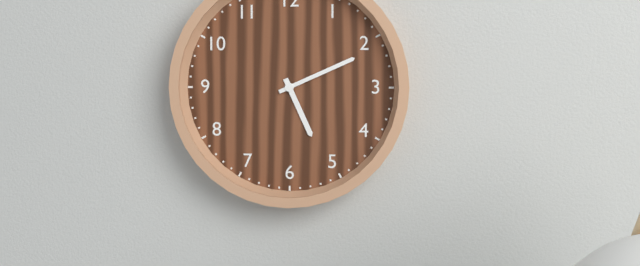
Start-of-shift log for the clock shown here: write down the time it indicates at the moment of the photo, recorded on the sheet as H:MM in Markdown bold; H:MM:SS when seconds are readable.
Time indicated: **5:11**
